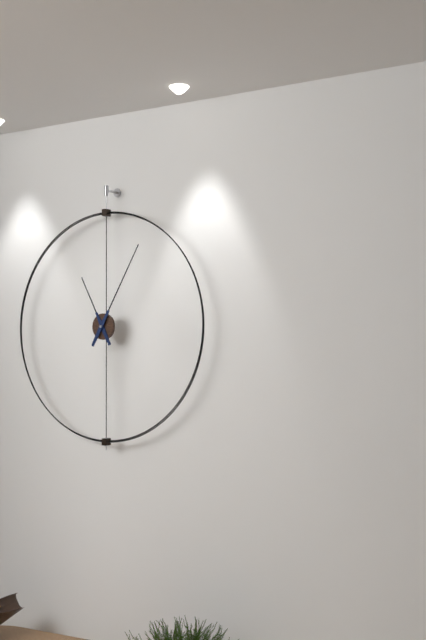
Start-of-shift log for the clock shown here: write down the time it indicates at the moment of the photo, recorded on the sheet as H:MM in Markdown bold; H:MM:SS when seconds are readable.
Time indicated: **11:05**
